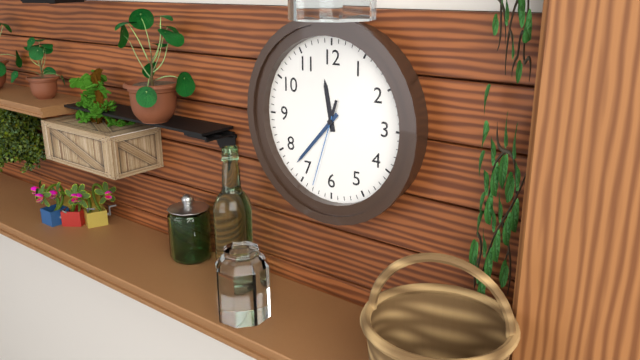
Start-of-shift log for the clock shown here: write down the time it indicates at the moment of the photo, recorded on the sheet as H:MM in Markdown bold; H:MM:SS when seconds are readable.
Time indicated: **11:37:33**
